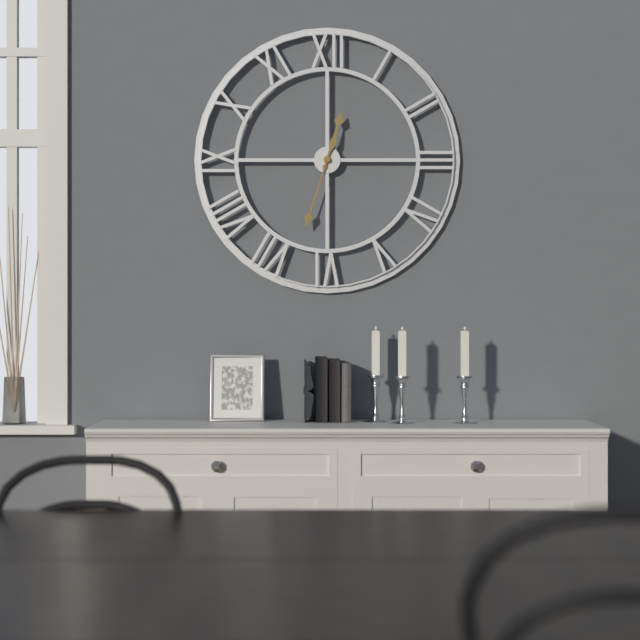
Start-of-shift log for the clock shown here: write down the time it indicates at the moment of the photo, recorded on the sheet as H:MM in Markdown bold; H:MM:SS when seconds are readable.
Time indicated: **12:33**
